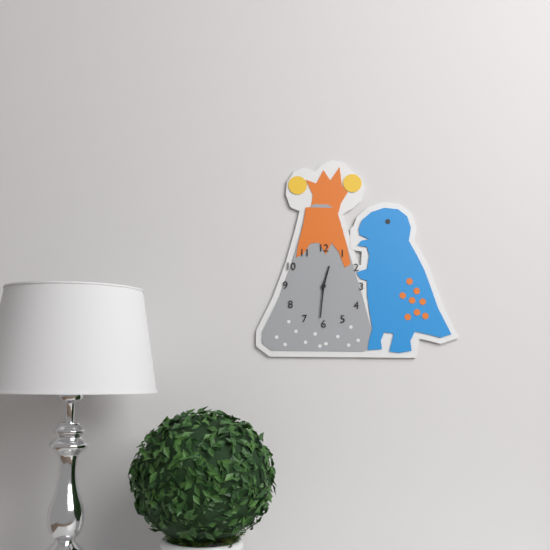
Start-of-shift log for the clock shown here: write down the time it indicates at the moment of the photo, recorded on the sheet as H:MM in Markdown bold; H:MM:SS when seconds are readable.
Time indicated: **12:31**
